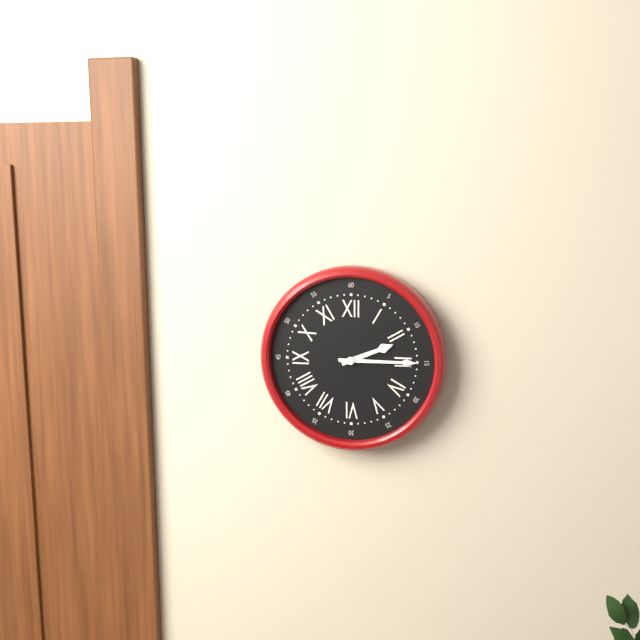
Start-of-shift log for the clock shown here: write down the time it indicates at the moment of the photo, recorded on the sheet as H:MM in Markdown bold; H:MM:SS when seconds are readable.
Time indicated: **2:15**
